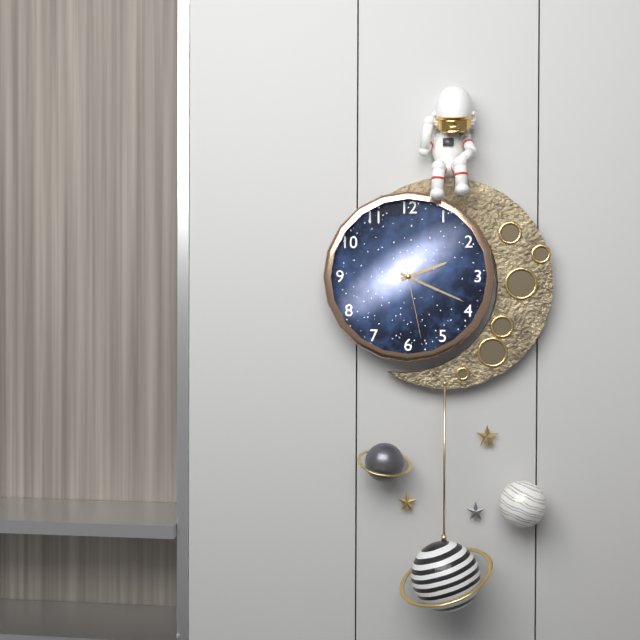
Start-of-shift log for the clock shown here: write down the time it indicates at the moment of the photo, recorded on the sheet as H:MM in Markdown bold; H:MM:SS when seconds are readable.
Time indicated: **2:19:28**
